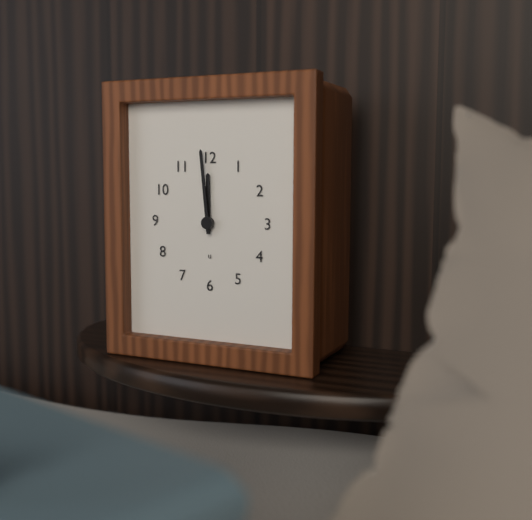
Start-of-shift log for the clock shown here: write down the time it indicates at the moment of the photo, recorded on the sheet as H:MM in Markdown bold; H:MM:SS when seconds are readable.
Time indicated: **11:59**
